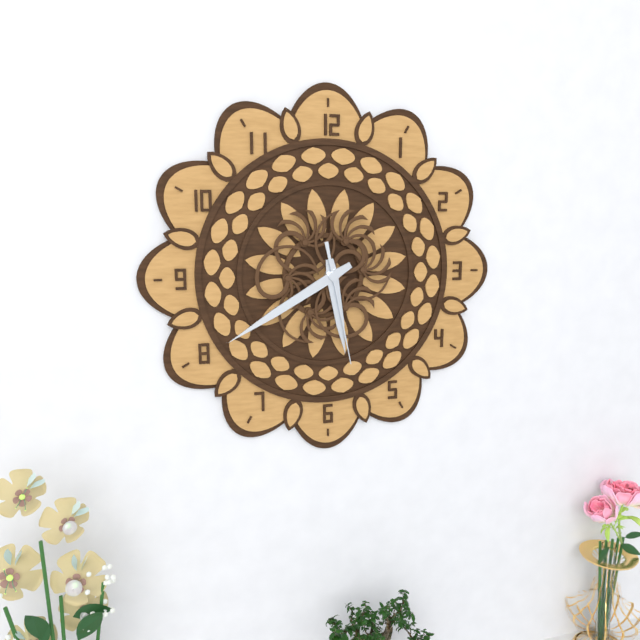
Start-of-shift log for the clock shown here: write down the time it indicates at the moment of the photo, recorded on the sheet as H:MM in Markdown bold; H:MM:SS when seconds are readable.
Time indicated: **5:40:28**
